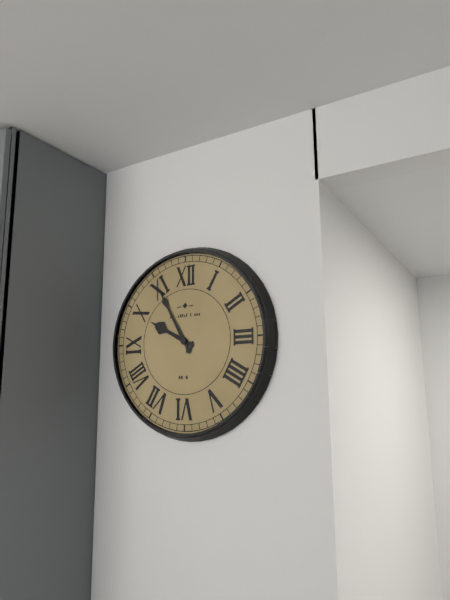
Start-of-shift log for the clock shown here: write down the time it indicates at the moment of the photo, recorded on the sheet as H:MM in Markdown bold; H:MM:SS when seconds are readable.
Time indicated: **9:55**
